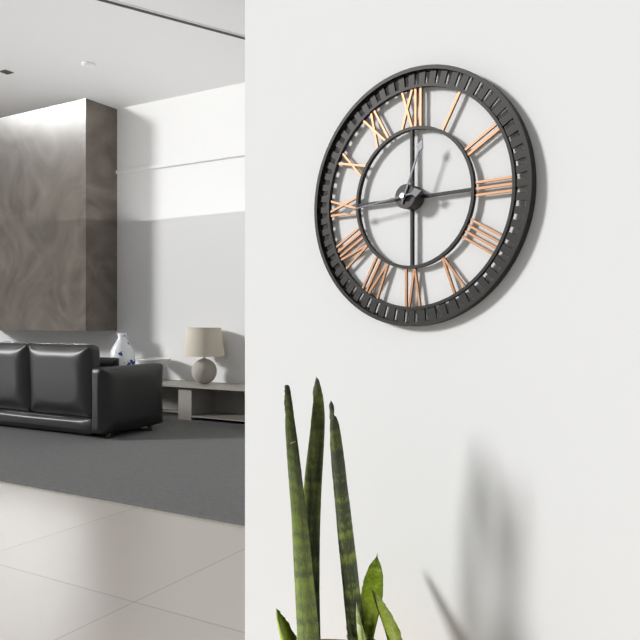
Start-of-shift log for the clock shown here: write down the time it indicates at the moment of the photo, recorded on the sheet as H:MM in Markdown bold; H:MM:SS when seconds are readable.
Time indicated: **12:44**
